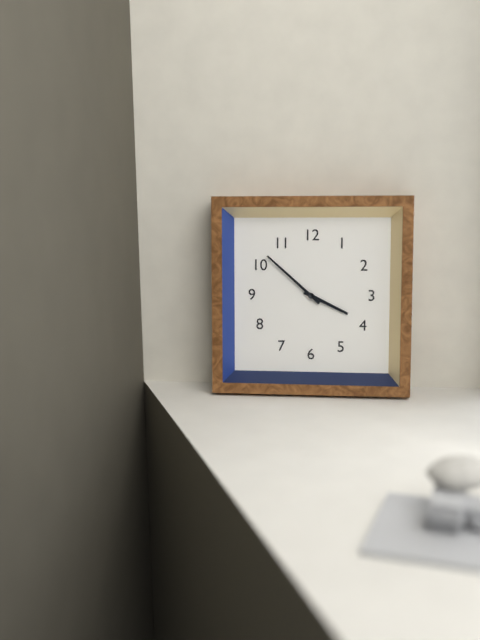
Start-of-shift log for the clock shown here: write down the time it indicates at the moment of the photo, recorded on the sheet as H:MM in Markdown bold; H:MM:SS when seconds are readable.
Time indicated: **3:52**
